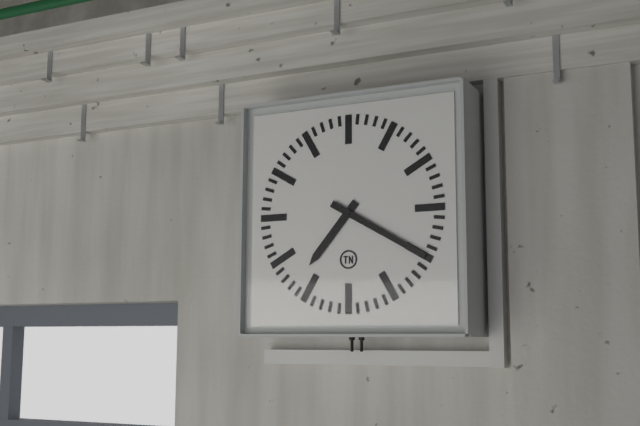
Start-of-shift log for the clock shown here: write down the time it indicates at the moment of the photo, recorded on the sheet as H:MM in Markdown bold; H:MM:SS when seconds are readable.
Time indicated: **7:20**
